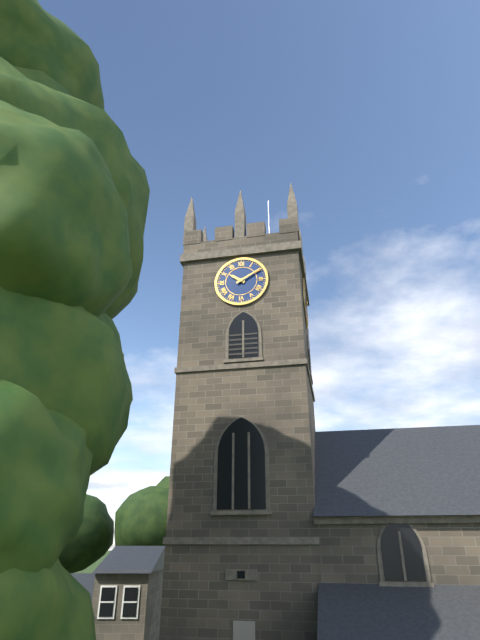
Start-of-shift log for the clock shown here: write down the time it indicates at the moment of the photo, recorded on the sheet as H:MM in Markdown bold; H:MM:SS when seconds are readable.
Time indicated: **10:10**
